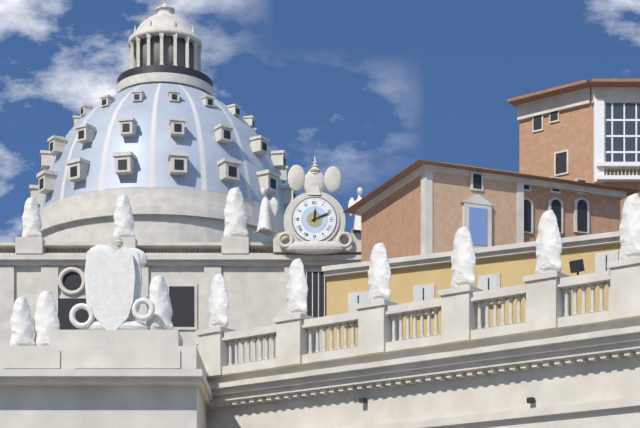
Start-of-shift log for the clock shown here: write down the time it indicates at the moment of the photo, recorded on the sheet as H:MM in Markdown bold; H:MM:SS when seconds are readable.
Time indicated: **12:11**
